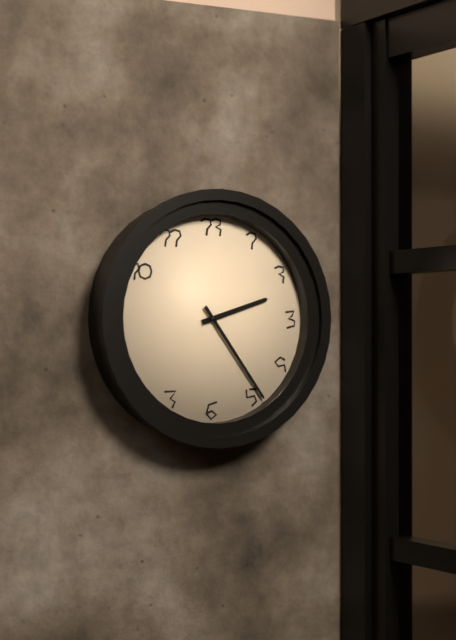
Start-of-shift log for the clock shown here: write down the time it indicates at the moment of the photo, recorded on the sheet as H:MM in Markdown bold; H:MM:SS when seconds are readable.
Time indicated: **2:24**
